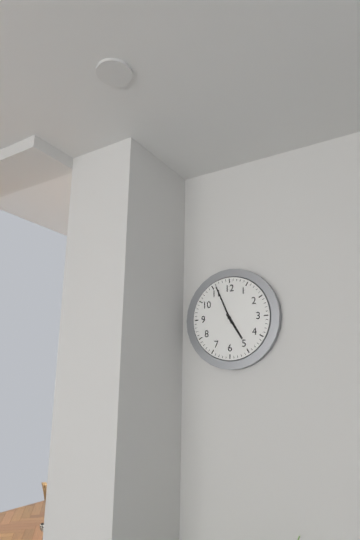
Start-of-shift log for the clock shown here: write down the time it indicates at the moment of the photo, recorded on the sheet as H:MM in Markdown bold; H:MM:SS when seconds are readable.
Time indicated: **4:56**
